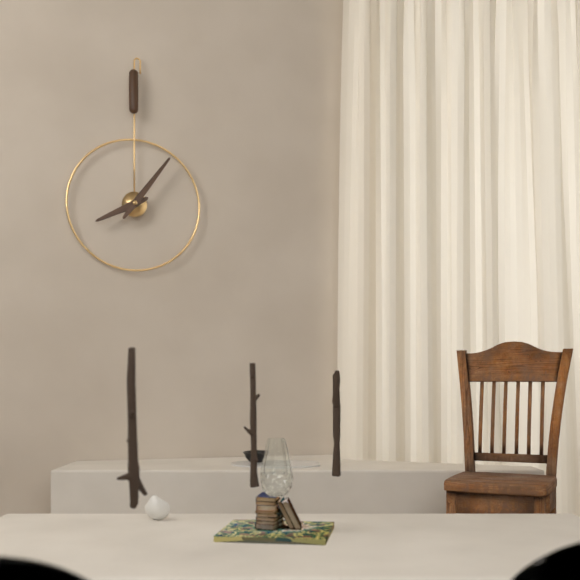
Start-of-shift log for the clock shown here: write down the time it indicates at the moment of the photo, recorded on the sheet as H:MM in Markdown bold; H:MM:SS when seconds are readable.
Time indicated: **8:06**
